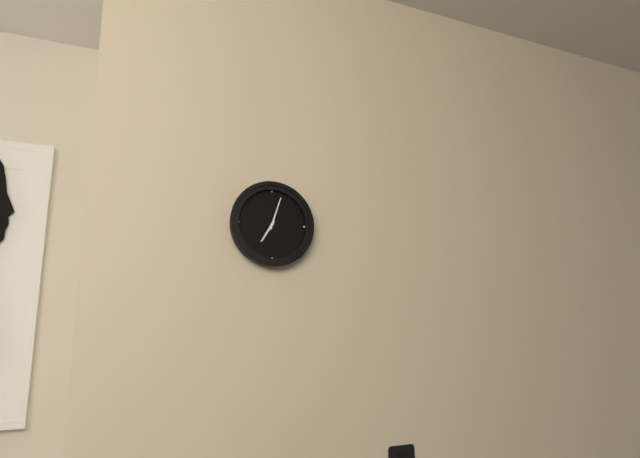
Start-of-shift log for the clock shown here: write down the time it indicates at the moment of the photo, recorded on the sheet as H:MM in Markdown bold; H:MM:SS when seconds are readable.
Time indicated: **7:03**
